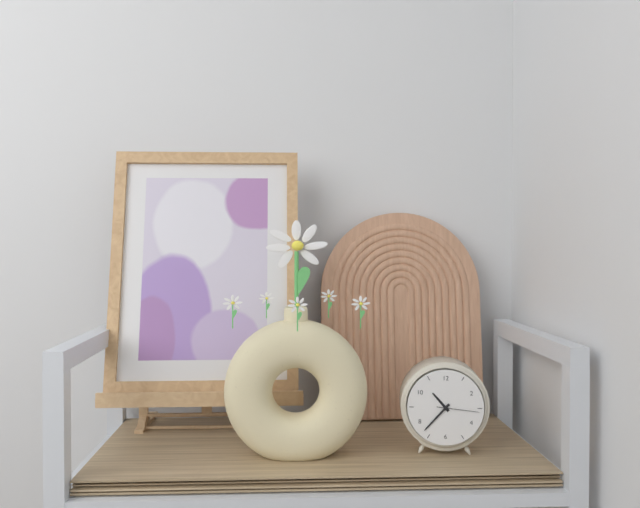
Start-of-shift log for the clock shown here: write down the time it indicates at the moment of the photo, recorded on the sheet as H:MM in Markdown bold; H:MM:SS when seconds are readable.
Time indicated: **10:37**
